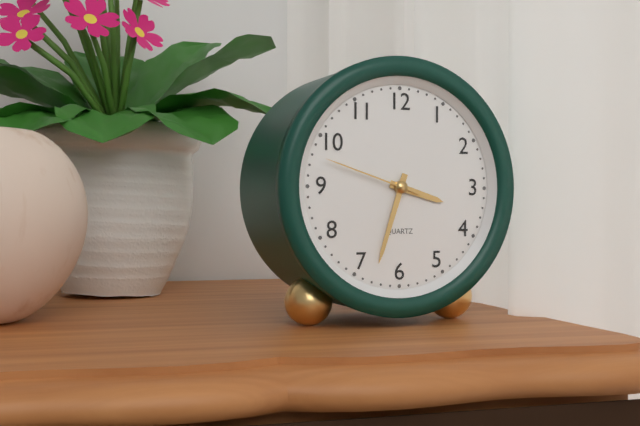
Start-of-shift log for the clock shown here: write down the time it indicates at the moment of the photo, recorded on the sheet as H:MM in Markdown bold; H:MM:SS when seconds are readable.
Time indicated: **3:33:48**
